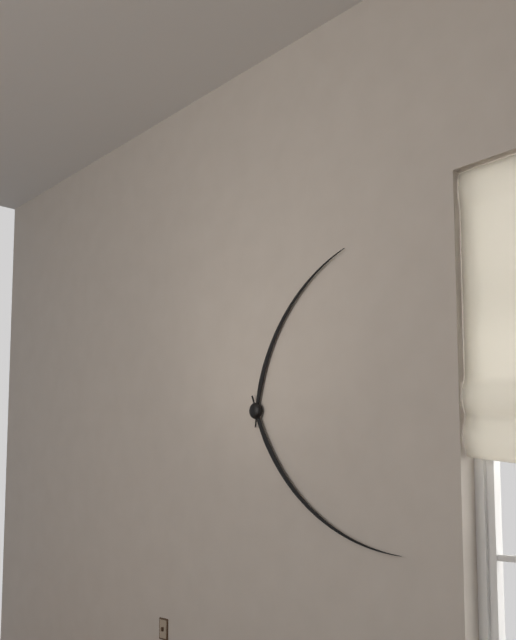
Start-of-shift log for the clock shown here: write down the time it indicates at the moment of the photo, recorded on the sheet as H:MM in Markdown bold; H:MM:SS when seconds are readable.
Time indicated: **1:21**
